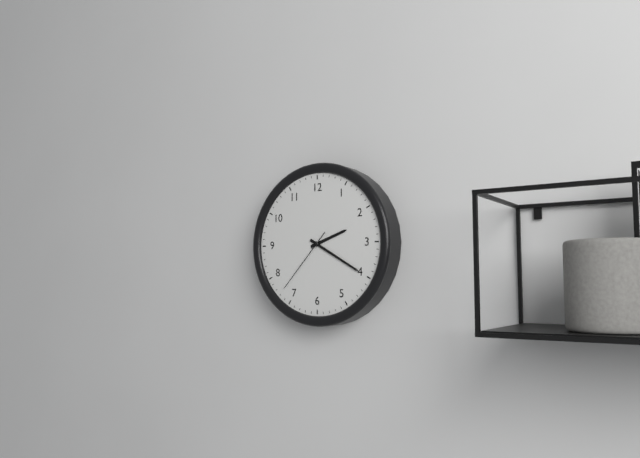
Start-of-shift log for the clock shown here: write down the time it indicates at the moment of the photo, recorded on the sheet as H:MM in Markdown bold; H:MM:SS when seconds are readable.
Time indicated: **2:20:37**
